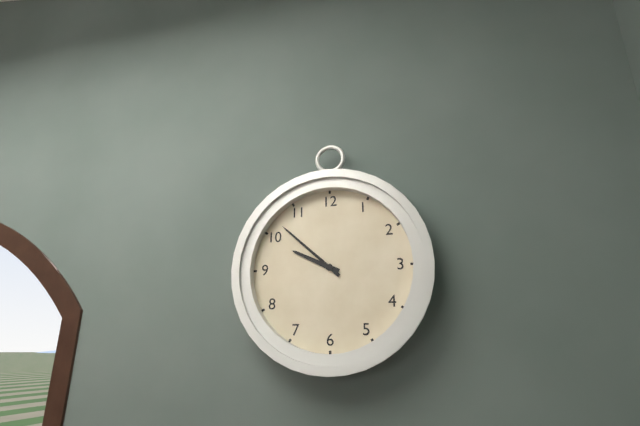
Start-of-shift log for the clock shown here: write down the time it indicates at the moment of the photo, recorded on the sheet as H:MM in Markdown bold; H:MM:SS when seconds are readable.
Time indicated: **9:52**
